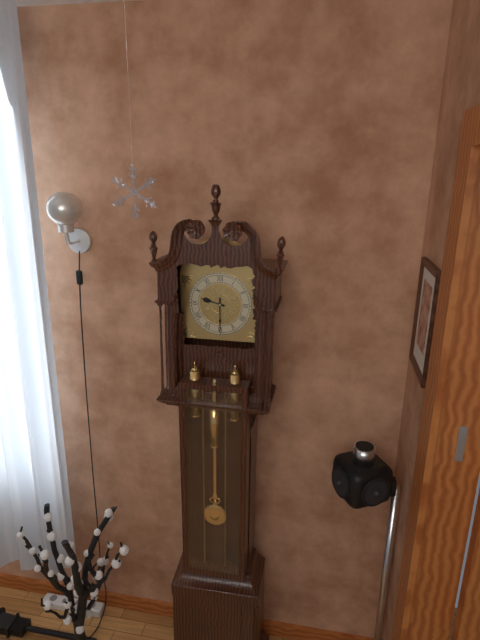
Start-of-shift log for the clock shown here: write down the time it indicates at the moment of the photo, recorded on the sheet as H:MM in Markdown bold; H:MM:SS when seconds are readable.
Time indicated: **9:30**
